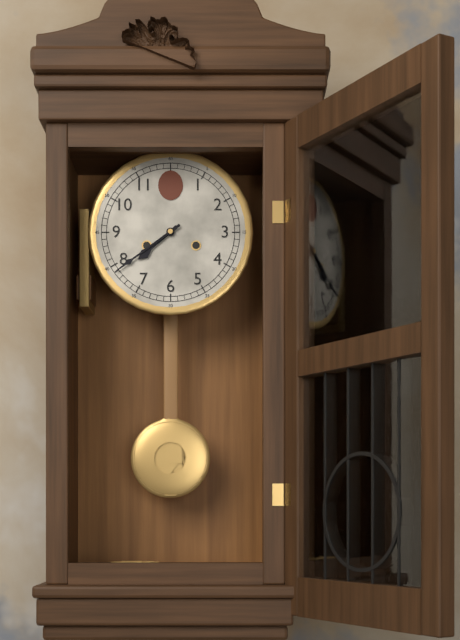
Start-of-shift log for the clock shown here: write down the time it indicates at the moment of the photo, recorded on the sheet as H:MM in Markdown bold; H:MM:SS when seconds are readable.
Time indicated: **7:39**
